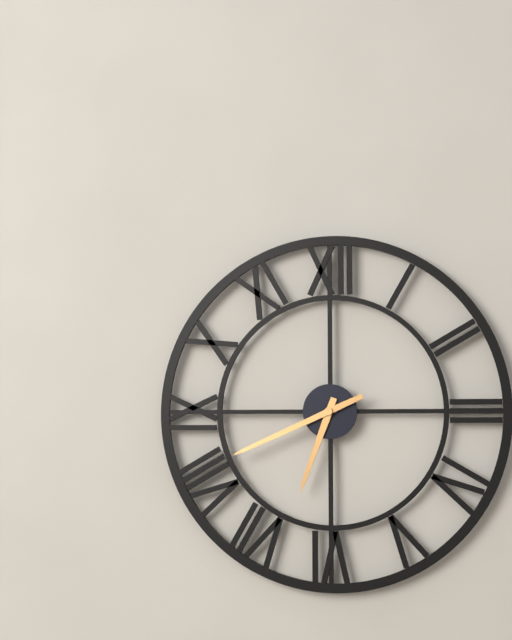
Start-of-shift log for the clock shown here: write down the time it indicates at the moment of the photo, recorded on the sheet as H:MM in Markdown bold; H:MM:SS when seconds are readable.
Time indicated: **6:41**
